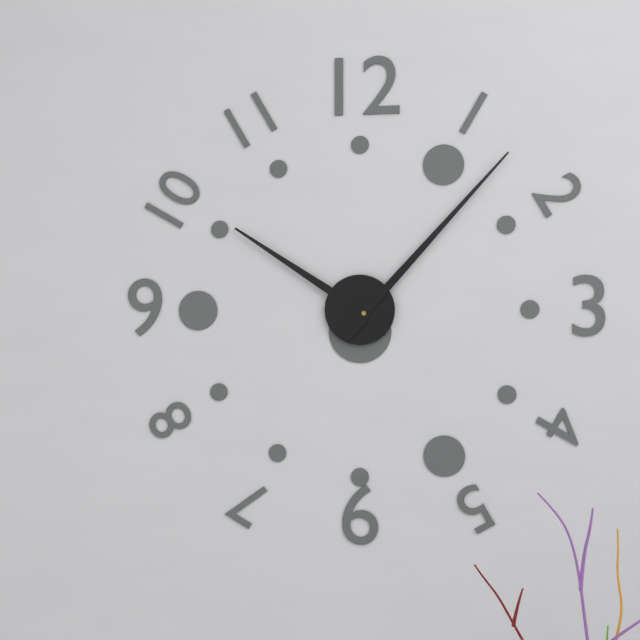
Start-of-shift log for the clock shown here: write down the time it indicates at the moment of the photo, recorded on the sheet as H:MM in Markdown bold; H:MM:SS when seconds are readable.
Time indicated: **10:07**
